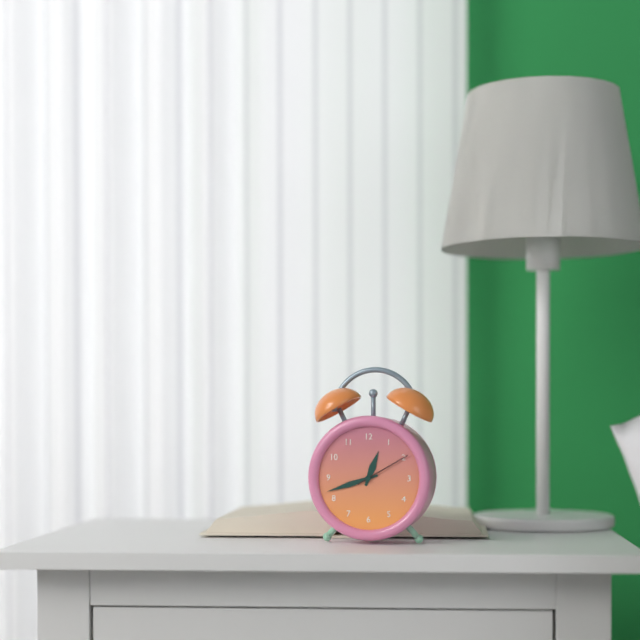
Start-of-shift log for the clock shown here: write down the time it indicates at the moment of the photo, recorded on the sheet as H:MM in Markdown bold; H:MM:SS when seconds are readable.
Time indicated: **12:42:10**
